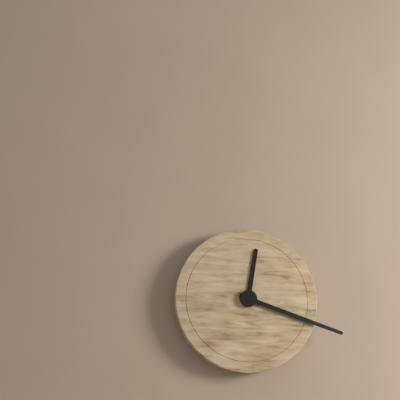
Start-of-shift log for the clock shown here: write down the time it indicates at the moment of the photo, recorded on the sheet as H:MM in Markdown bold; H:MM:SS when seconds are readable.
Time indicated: **12:18**
